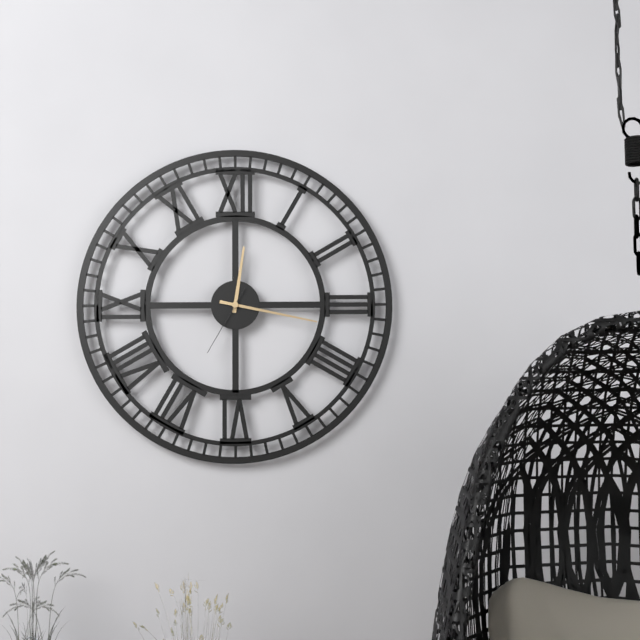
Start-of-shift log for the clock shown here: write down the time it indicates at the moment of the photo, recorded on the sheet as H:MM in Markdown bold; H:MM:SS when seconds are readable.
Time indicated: **12:17:35**
